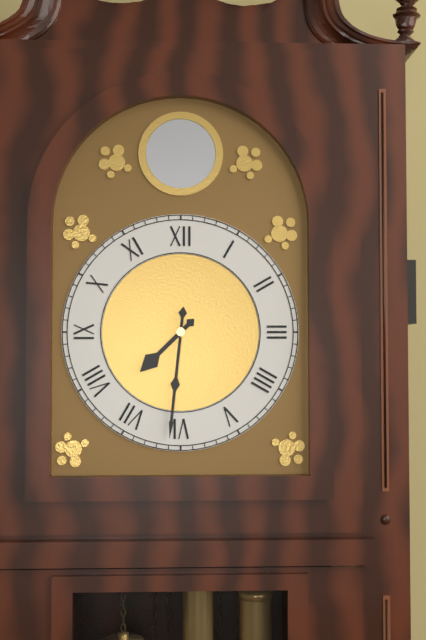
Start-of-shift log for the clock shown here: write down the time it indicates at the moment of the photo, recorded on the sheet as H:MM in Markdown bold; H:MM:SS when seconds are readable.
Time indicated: **7:31**
